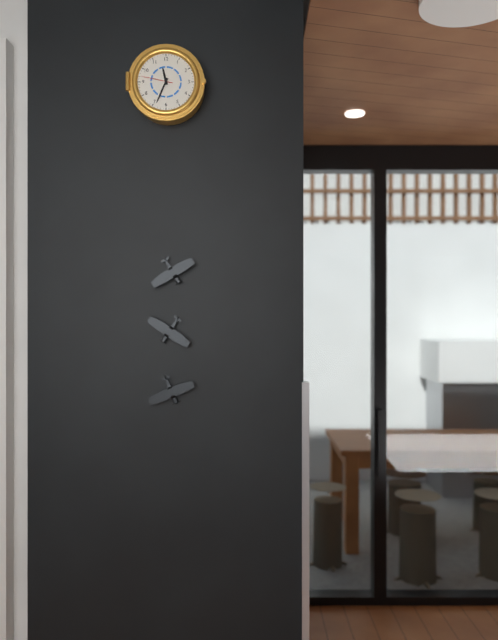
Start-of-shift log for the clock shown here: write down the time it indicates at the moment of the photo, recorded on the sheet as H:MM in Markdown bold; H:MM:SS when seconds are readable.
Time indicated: **11:34**
